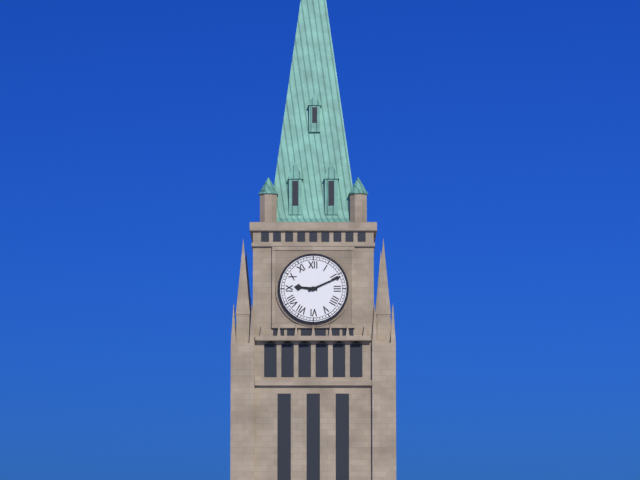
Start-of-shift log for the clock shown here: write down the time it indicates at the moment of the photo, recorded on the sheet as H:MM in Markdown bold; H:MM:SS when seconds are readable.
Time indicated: **9:11**
